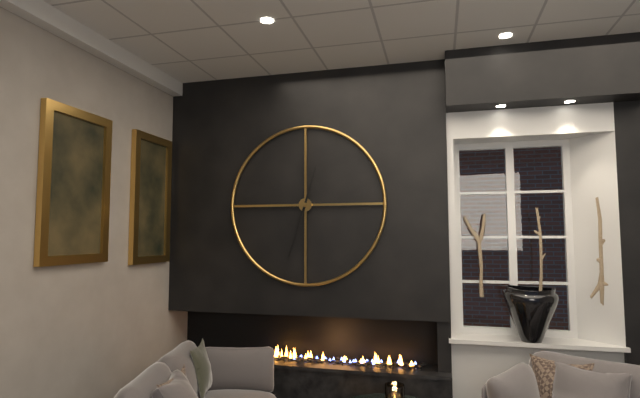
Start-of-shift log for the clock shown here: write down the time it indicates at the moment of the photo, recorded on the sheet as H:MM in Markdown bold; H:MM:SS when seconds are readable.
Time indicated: **12:33**
